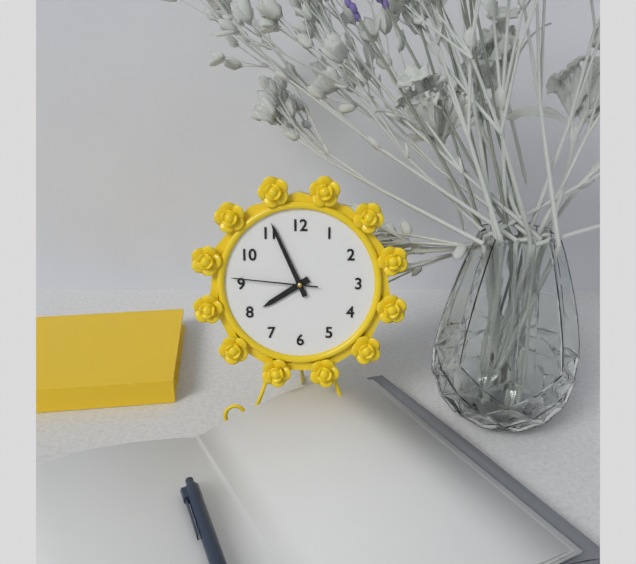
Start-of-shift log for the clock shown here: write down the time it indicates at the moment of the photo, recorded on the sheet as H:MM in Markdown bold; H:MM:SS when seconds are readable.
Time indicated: **7:56:46**
